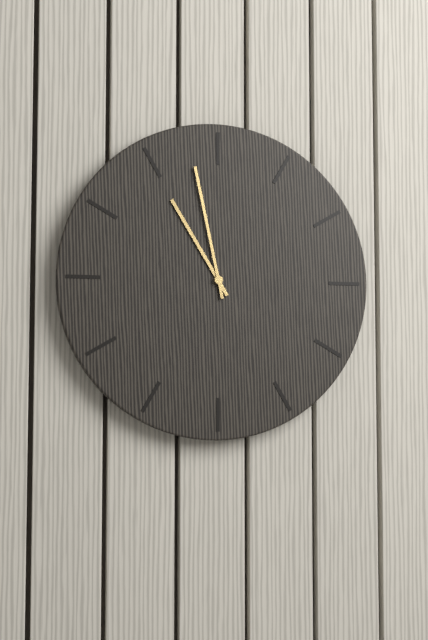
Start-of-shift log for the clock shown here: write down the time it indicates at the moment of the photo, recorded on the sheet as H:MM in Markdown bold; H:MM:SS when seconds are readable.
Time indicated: **10:58**
